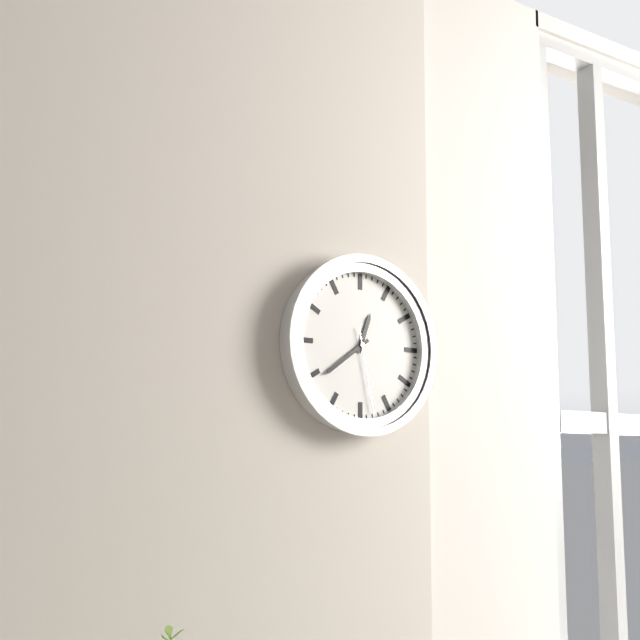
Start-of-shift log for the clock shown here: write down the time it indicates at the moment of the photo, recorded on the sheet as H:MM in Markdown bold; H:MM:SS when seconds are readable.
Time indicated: **12:39:28**
